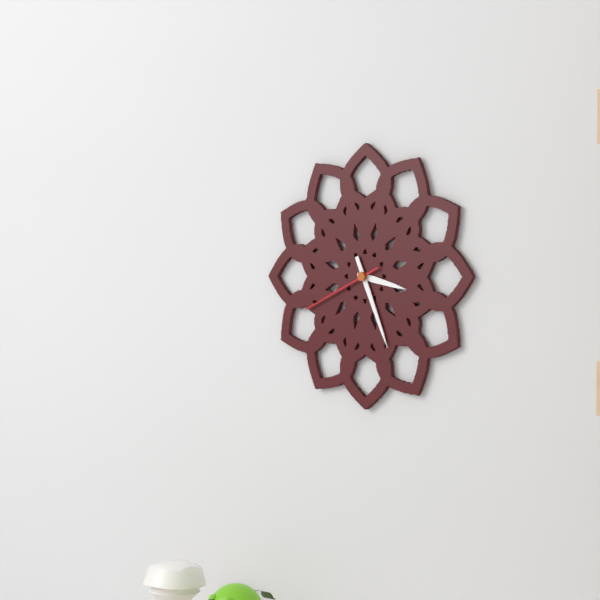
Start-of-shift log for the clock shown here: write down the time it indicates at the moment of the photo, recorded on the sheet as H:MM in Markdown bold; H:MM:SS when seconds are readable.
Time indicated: **3:26:41**
